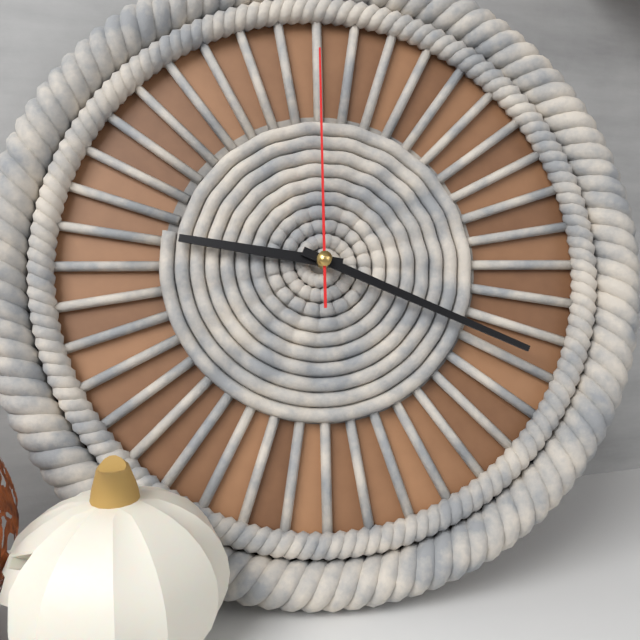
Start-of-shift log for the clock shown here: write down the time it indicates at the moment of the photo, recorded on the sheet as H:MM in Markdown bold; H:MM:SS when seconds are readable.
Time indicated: **9:19:00**
